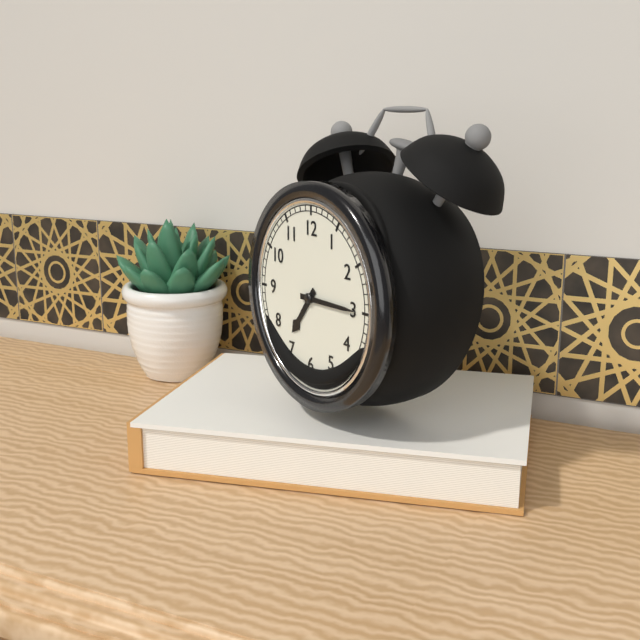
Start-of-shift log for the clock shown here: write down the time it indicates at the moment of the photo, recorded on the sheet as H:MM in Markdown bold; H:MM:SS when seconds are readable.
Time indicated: **7:15**
